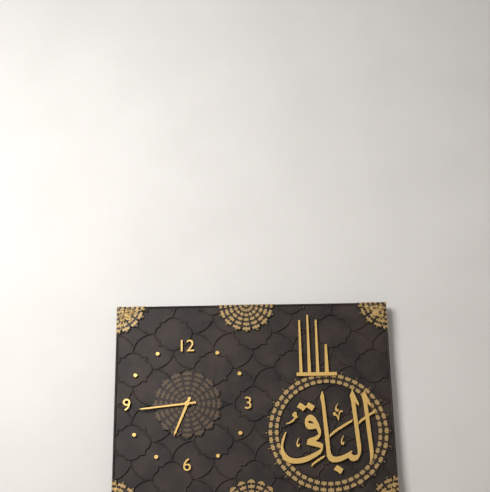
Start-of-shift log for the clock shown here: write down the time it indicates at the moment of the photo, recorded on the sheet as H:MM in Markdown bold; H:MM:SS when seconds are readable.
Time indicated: **6:44**
